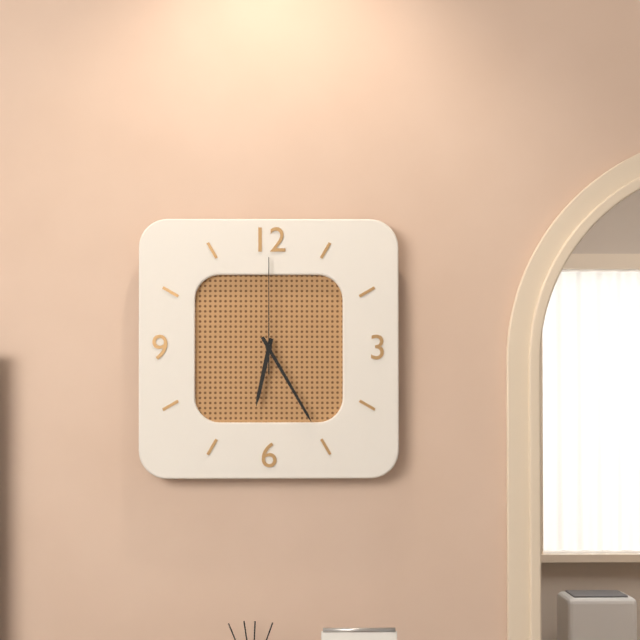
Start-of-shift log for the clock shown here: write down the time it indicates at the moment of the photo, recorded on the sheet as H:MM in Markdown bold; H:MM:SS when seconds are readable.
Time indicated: **6:25:00**
